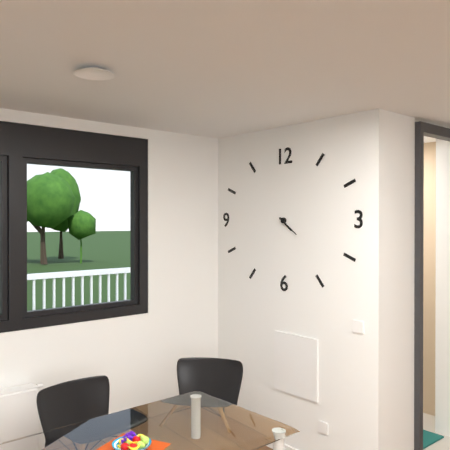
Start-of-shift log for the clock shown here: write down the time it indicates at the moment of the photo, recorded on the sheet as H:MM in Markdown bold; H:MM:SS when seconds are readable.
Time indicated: **4:21**
